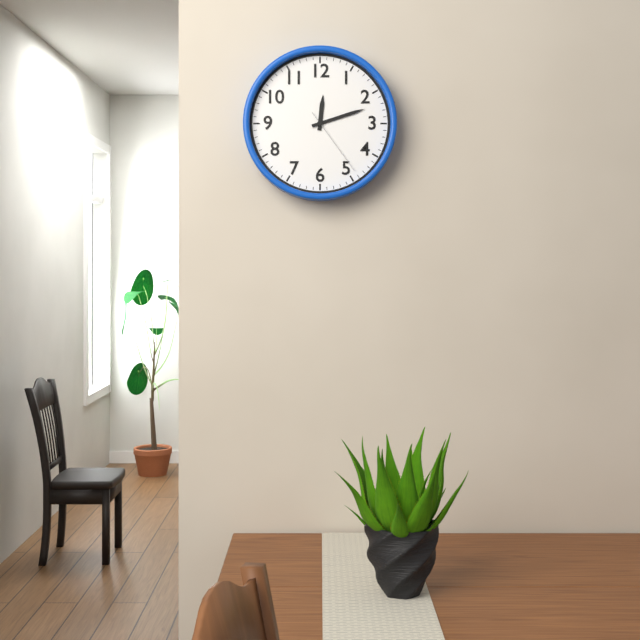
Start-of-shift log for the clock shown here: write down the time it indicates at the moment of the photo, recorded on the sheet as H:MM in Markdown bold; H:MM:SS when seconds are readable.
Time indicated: **12:12:24**
